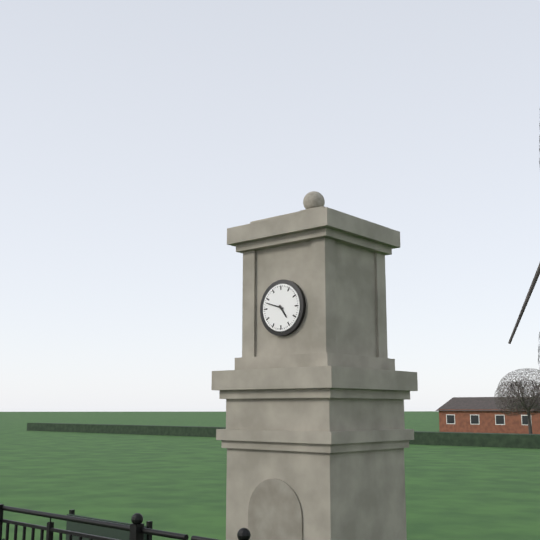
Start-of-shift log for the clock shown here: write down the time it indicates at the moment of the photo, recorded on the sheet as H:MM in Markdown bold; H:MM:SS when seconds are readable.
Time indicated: **4:48**
